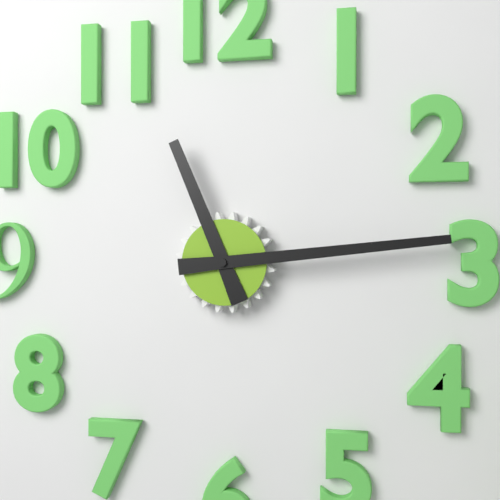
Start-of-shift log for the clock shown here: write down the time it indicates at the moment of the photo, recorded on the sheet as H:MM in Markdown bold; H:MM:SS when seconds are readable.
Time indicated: **11:14**
